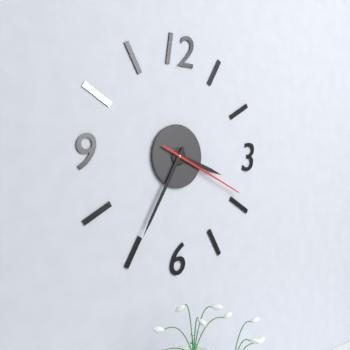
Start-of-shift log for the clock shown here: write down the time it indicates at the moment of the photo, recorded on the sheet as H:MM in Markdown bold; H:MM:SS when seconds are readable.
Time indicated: **3:35:19**
